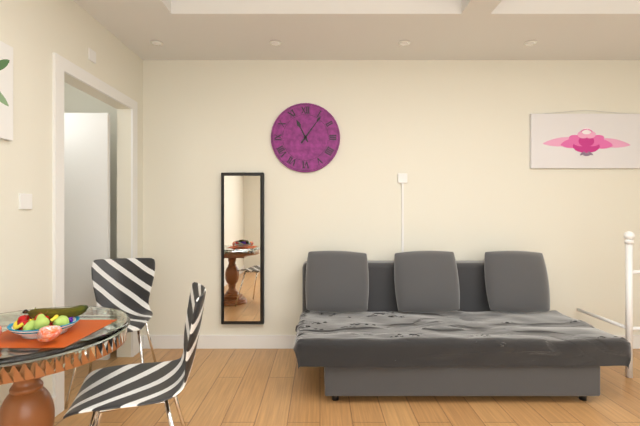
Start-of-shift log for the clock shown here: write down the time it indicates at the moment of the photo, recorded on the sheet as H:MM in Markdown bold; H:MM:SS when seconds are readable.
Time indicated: **11:06**
